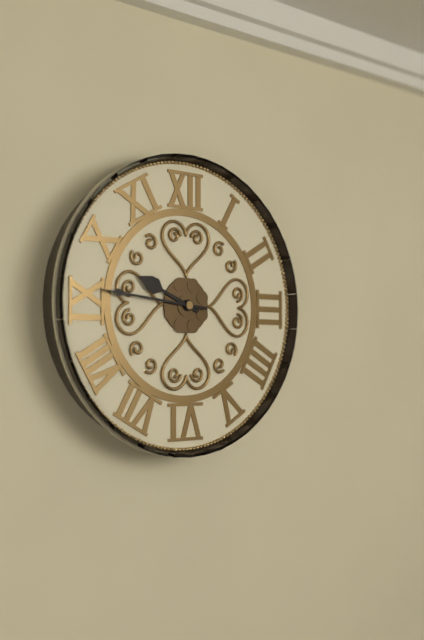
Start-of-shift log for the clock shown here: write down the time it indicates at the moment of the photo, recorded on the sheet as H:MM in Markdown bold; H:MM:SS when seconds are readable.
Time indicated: **9:46**
